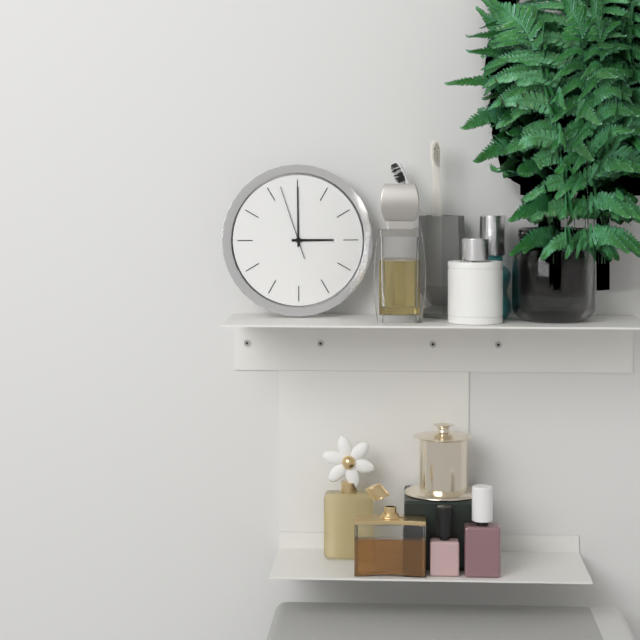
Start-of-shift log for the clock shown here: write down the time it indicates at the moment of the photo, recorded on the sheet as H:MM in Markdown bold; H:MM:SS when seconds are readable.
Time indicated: **3:00:57**
